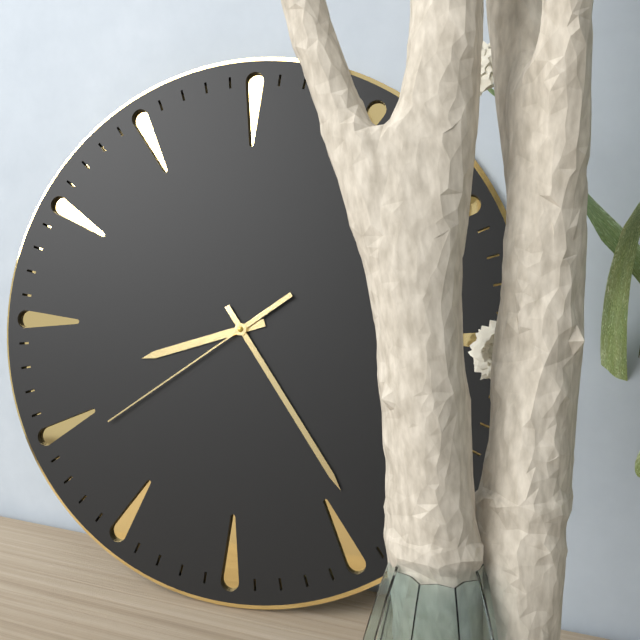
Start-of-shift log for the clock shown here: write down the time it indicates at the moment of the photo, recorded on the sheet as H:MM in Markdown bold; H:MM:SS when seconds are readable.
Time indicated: **8:24:39**
